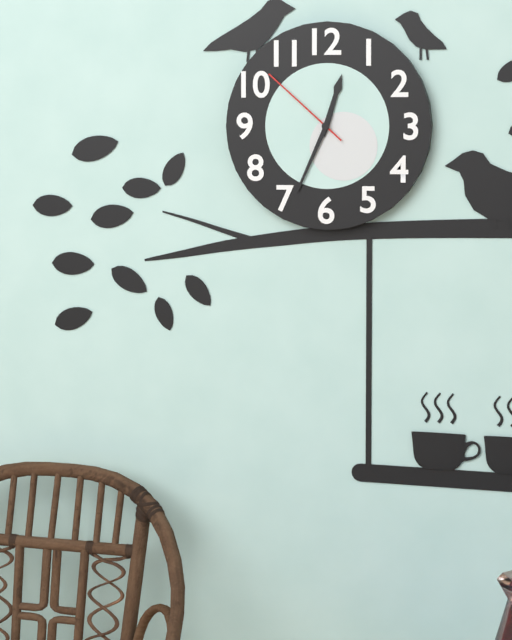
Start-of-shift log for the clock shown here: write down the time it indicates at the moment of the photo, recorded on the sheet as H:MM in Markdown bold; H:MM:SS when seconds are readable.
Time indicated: **12:34:52**
